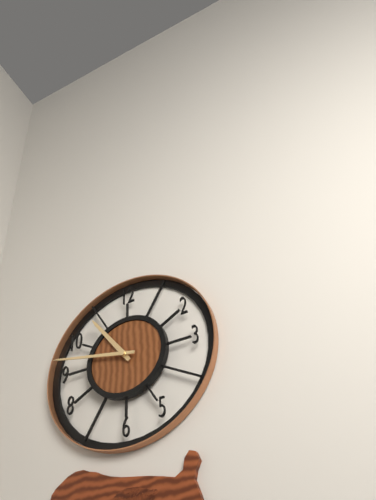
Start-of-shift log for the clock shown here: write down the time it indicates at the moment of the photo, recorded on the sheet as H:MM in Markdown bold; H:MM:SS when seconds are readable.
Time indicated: **10:47**
